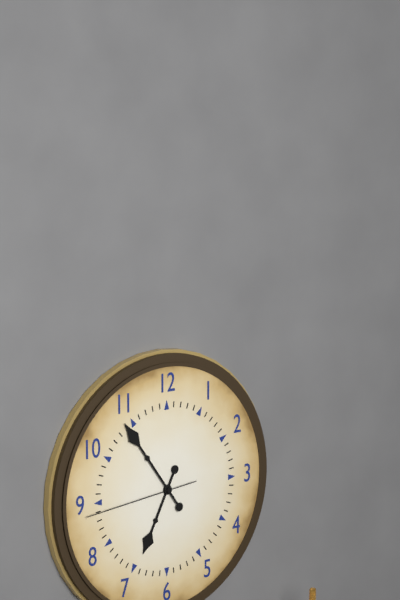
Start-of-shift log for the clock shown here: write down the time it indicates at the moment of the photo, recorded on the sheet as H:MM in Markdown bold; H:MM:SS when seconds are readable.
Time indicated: **6:54:44**
